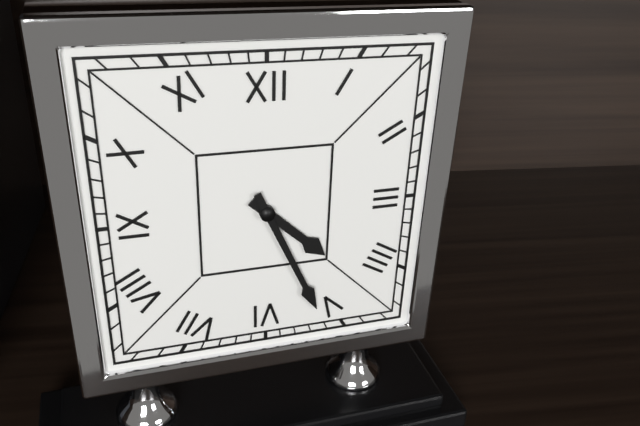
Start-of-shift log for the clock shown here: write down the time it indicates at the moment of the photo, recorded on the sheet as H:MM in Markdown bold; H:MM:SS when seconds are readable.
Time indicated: **4:26**
